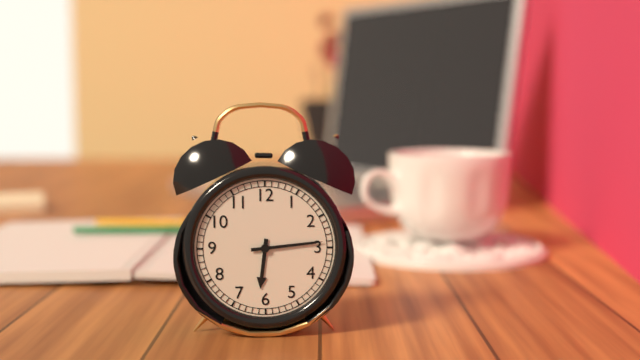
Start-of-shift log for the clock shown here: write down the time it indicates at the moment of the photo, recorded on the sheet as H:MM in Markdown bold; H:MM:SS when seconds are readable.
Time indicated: **6:14**
